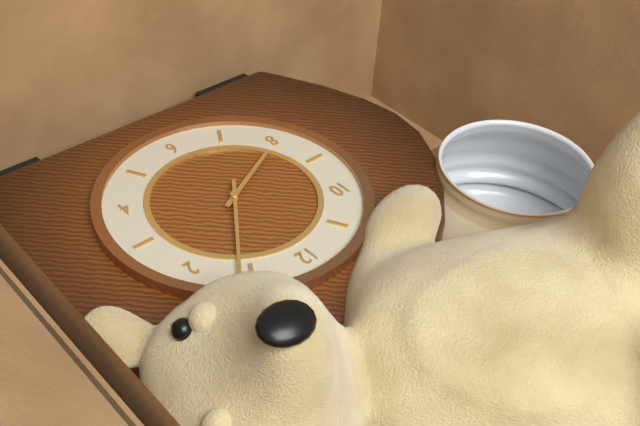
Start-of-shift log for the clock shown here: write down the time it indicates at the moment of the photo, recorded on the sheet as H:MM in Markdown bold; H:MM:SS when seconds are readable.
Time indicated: **8:06**
